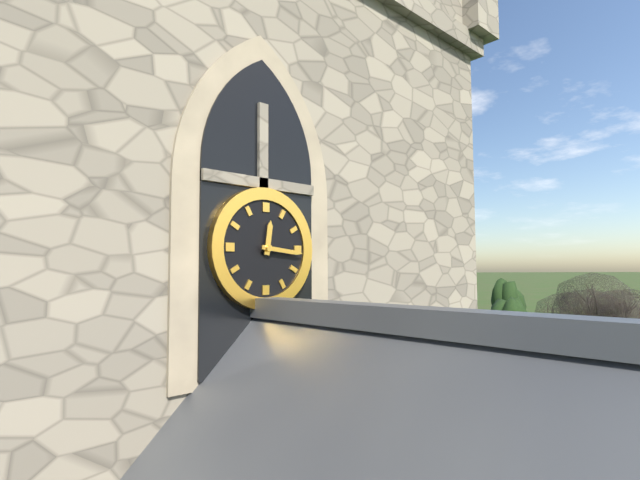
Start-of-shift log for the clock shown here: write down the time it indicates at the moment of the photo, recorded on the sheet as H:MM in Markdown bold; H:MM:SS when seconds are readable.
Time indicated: **12:16**
